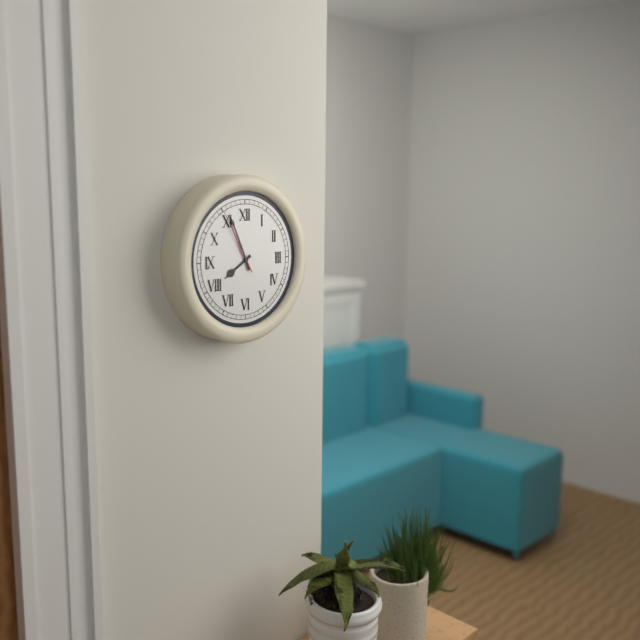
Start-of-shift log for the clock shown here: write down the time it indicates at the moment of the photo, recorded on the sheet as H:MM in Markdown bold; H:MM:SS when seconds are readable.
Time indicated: **7:56:55**
